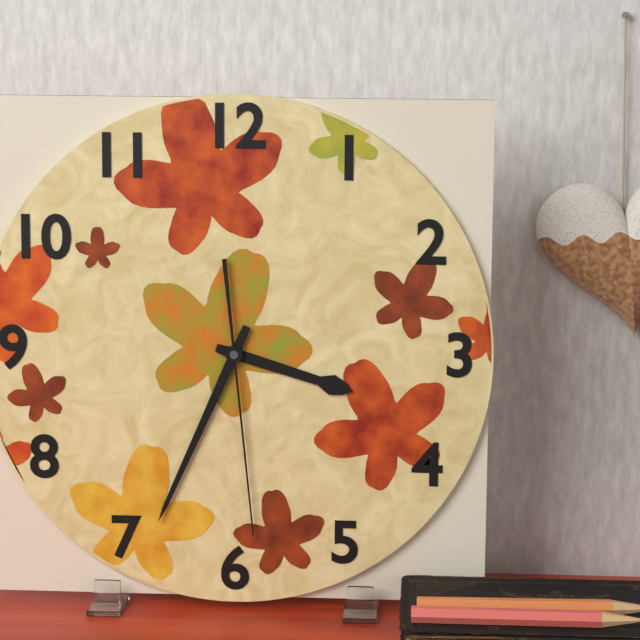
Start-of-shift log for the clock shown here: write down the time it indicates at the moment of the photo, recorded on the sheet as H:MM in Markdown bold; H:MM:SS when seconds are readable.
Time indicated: **3:34:29**
